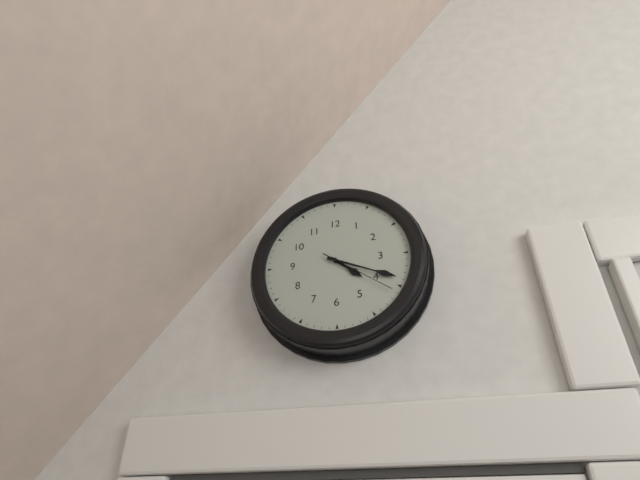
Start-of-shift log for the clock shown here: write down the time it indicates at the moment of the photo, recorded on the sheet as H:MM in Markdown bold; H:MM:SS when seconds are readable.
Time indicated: **4:19:21**
